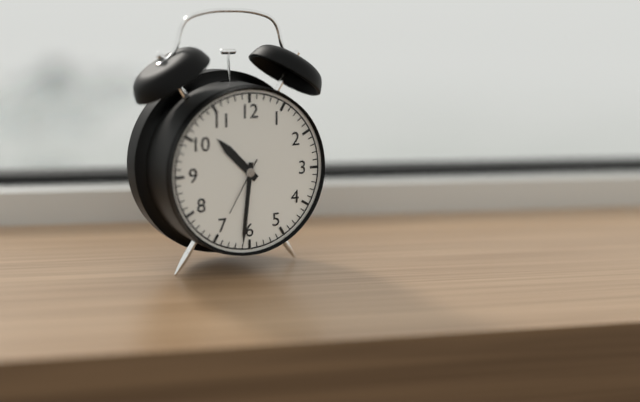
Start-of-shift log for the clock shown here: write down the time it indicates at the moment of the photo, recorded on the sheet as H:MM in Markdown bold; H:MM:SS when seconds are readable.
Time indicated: **10:31:35**
